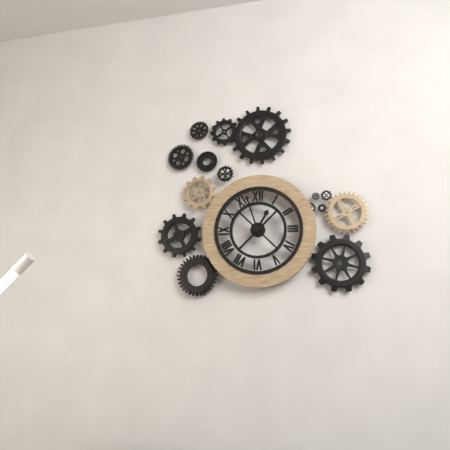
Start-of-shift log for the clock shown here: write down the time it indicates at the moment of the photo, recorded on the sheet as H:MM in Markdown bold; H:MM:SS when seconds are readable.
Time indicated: **12:57**
